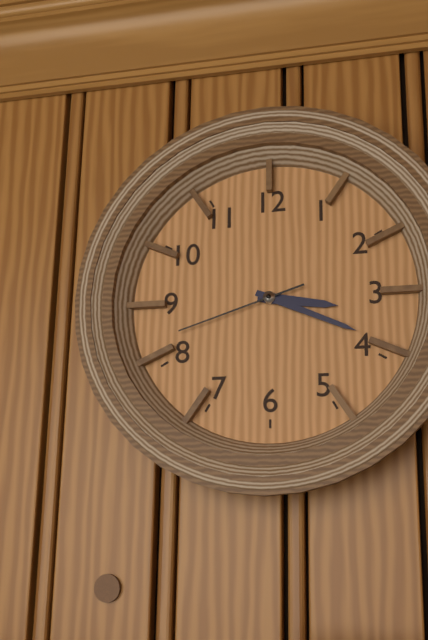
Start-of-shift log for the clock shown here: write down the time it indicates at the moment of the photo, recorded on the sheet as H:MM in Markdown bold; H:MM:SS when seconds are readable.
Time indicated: **3:19:42**
